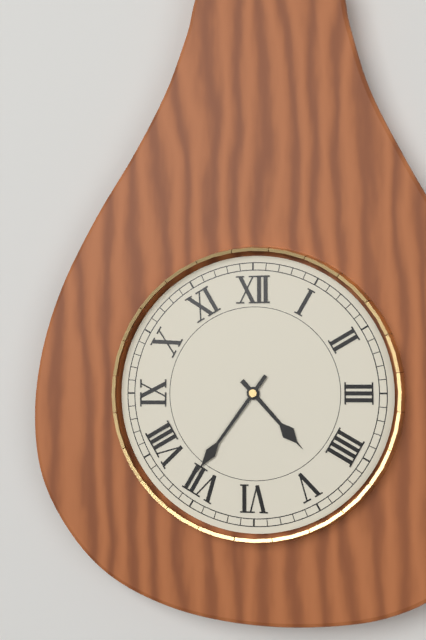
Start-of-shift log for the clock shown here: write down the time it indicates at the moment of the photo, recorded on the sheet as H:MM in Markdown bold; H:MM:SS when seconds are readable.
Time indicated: **4:36**
